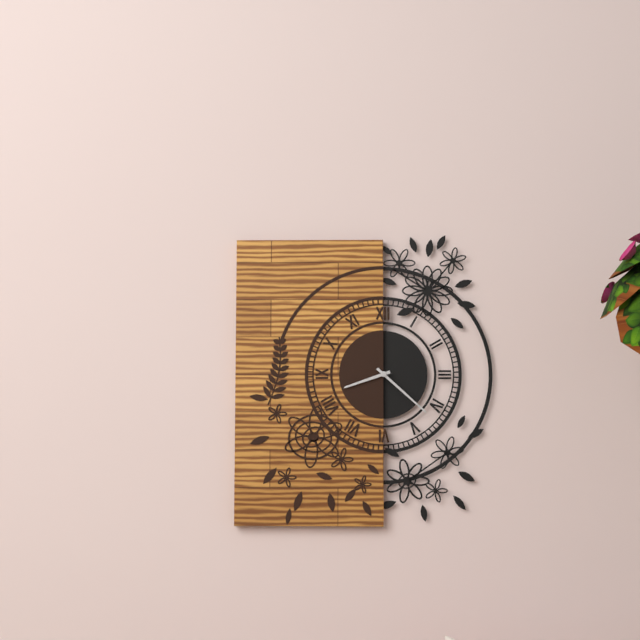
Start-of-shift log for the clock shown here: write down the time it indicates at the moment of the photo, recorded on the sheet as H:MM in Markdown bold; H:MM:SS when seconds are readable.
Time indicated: **8:22**
